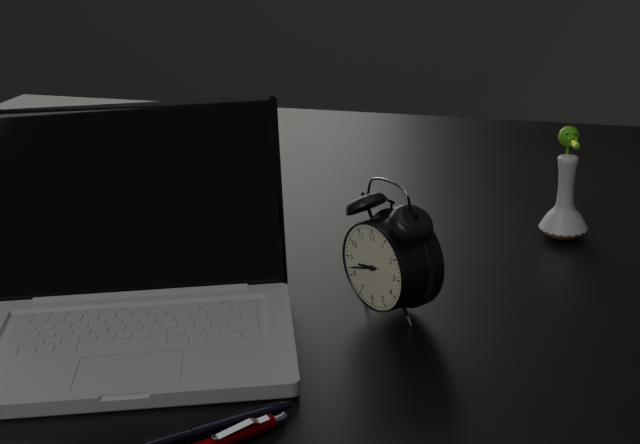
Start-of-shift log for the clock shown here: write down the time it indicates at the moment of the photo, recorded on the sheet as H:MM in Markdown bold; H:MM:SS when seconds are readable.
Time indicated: **8:42**
